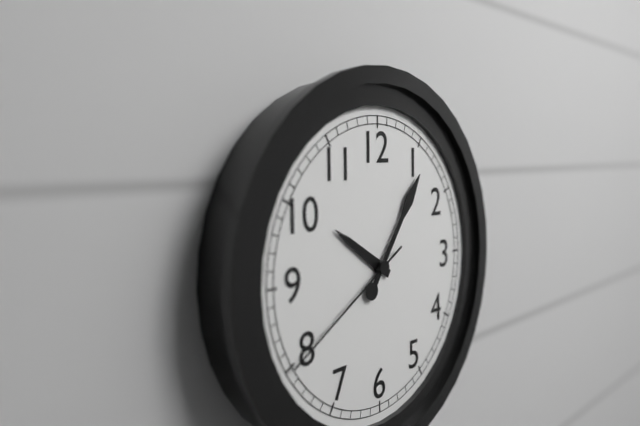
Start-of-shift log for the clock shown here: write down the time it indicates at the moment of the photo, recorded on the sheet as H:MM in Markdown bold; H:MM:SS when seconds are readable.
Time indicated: **10:06:40**
